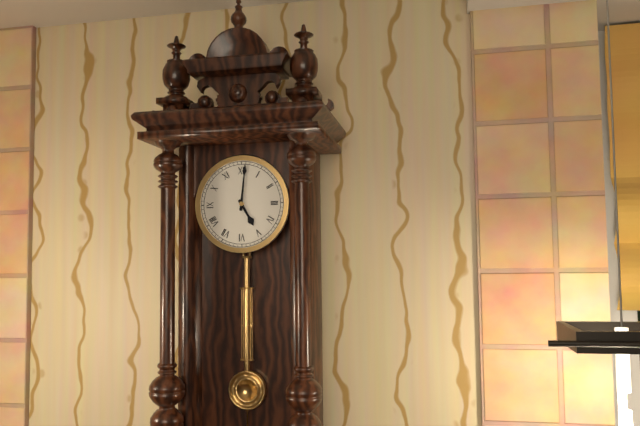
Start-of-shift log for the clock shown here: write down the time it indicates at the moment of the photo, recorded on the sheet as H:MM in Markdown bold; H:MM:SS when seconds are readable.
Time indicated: **5:01**
